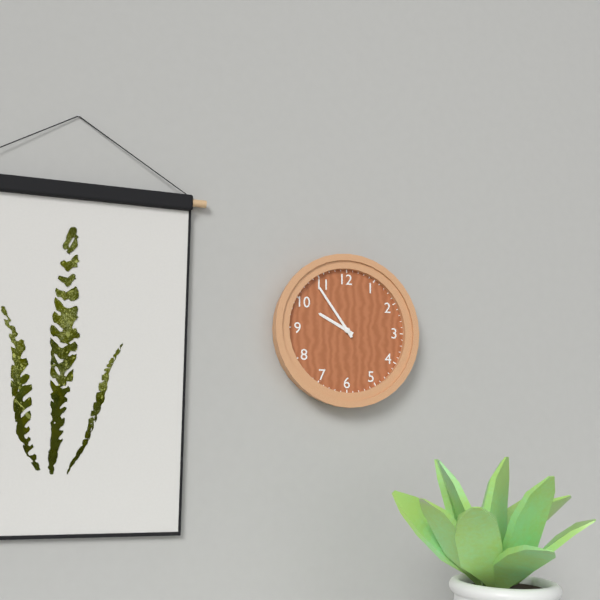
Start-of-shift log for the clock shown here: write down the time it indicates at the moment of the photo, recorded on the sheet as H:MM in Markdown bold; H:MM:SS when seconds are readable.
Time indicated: **9:54**
